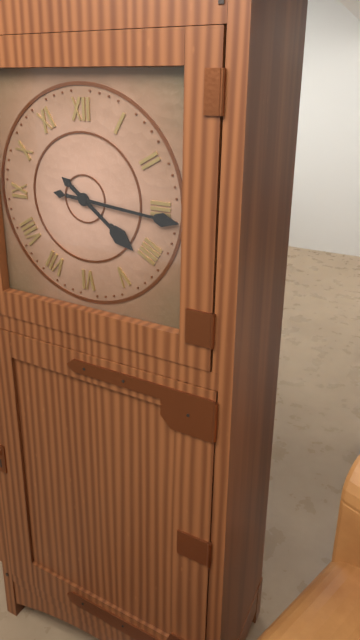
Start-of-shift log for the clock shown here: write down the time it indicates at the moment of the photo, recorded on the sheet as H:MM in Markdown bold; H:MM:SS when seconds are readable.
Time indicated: **4:16**
